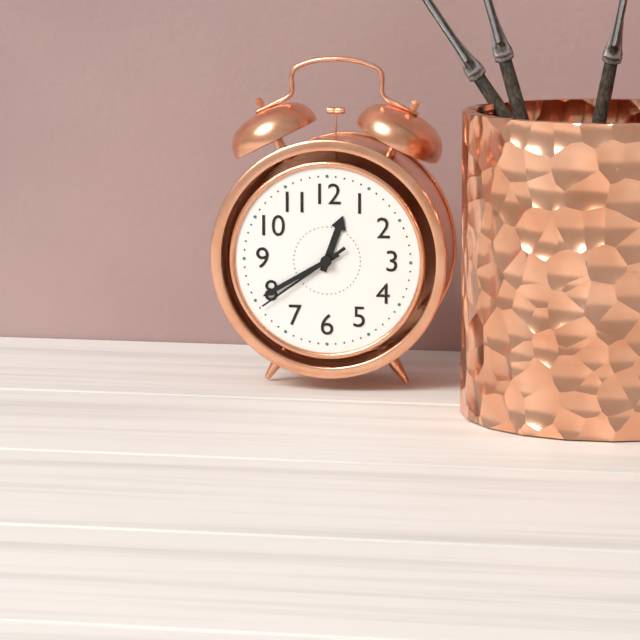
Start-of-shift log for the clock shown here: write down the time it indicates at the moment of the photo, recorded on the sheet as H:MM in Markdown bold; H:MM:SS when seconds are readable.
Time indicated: **12:40:39**
